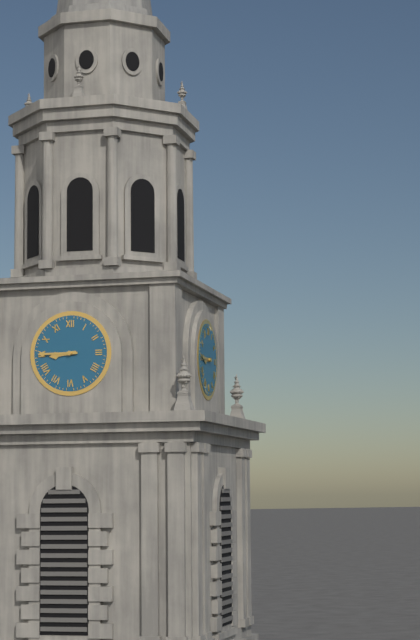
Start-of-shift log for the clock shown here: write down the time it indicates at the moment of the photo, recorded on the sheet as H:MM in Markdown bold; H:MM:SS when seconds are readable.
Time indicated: **8:45**
